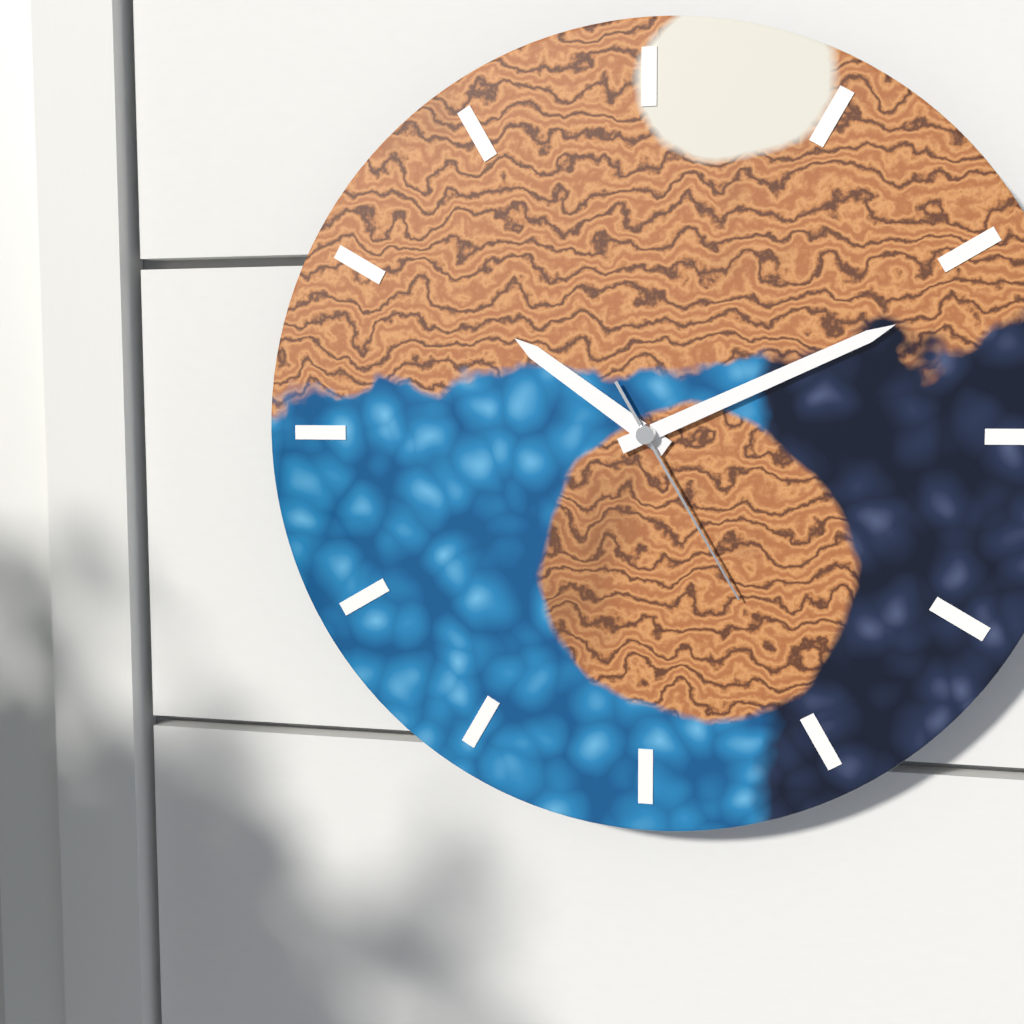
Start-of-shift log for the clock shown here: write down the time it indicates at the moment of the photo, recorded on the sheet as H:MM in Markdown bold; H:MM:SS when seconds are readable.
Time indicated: **10:11:25**
